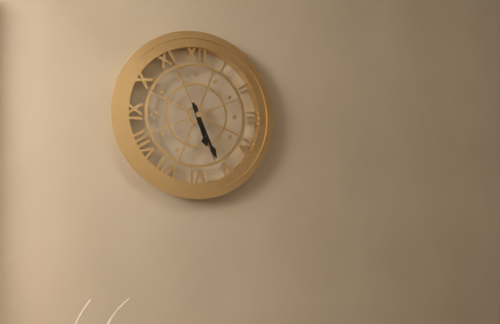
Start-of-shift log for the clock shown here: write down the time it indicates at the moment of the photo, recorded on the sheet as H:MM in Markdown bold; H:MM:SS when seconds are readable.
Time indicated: **5:26**
